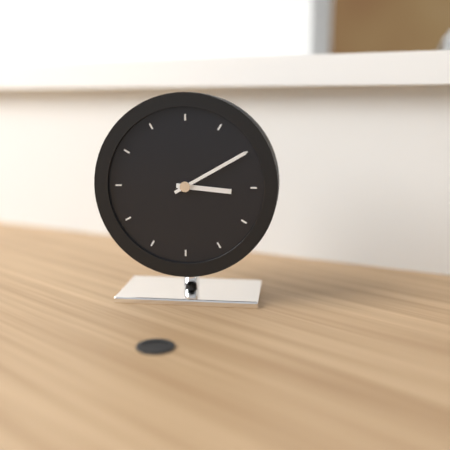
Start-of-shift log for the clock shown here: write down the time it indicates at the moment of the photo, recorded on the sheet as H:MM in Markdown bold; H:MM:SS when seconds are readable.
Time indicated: **3:10**
